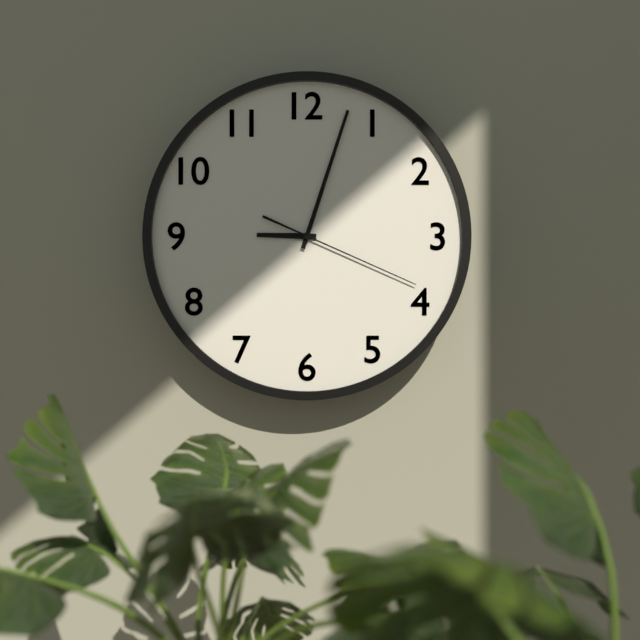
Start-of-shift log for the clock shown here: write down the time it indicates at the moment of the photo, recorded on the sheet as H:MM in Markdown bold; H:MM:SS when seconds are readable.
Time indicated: **9:03:19**
